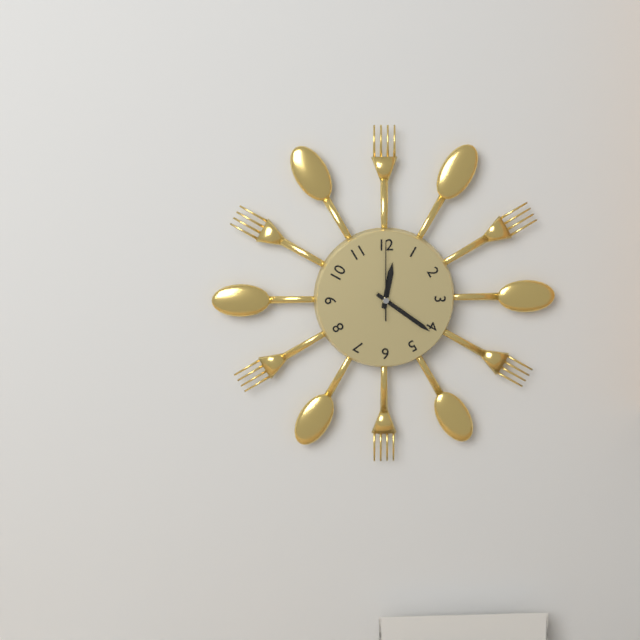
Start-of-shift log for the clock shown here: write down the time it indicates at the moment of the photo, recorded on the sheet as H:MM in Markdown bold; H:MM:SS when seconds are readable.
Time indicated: **12:21:00**
